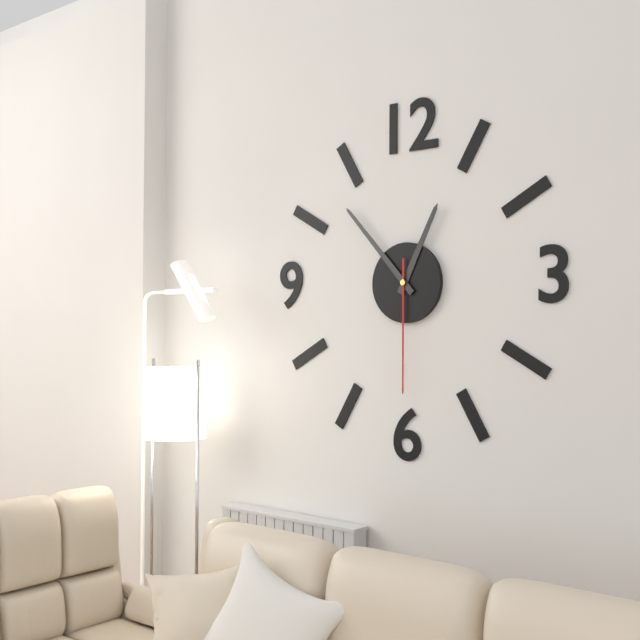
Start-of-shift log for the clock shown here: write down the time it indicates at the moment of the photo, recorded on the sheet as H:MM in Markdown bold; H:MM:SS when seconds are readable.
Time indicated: **12:53:30**
